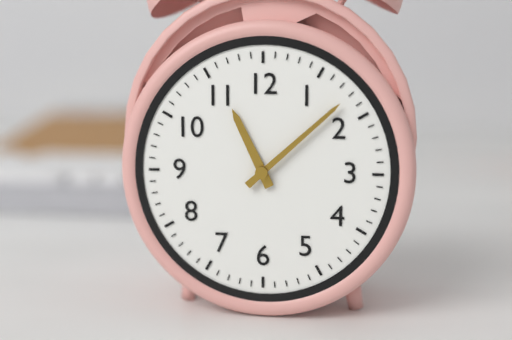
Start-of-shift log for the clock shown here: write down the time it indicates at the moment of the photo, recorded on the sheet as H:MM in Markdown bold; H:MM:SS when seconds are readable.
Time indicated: **11:08**
